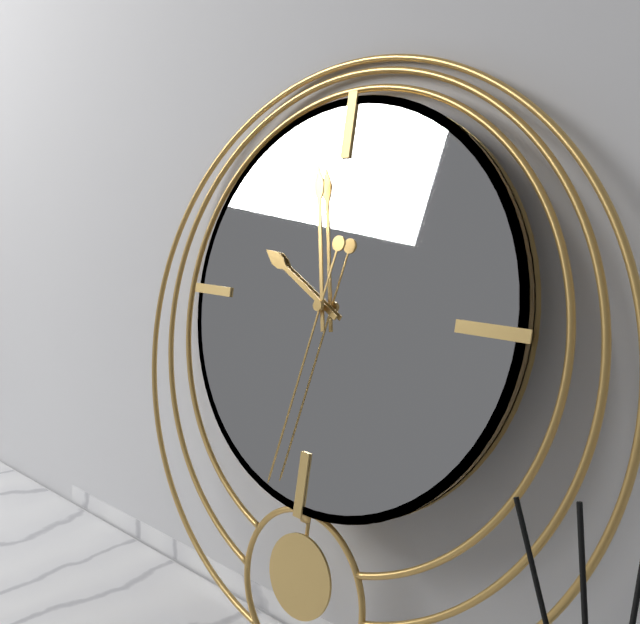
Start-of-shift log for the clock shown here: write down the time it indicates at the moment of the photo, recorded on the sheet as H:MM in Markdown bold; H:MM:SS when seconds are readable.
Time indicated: **9:58:32**
